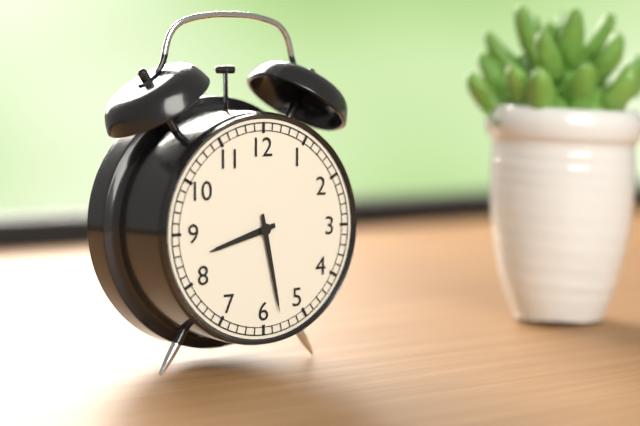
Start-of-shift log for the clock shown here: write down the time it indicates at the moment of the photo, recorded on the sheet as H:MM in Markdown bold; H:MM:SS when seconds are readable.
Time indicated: **8:28**
